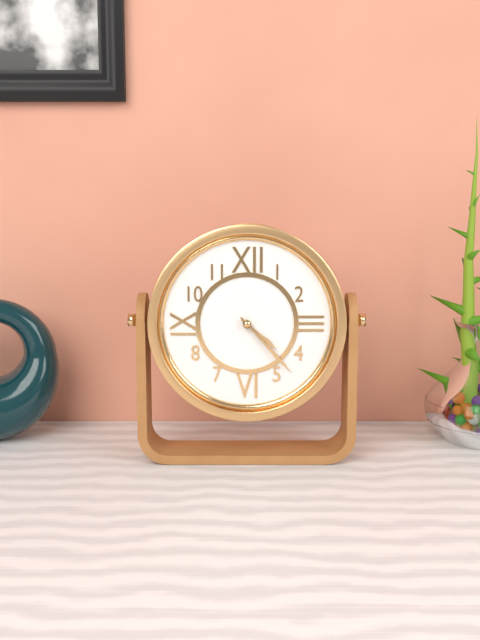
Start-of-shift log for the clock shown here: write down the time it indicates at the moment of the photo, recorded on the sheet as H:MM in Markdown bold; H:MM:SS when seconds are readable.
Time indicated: **4:23**
